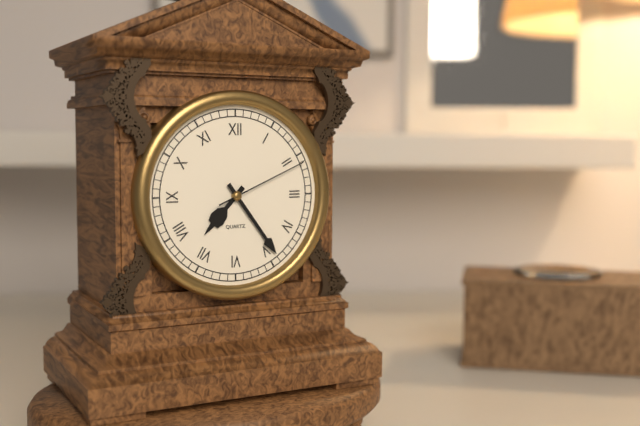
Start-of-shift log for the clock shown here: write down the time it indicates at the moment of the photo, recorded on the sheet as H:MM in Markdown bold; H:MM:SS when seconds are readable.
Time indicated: **7:24:11**
